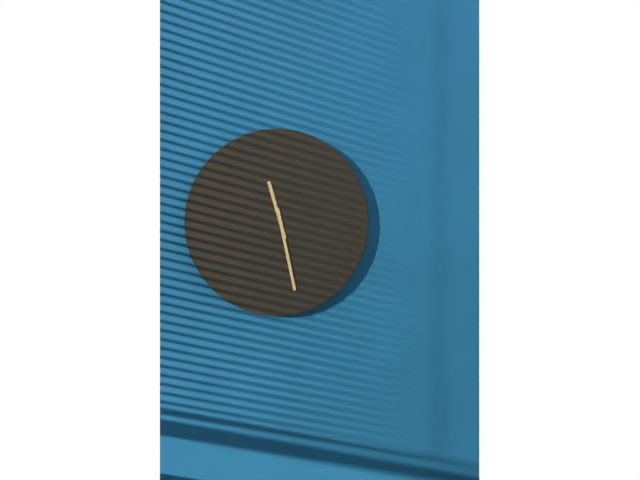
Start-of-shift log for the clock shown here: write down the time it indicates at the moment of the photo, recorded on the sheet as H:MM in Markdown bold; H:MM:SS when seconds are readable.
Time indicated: **11:28**
